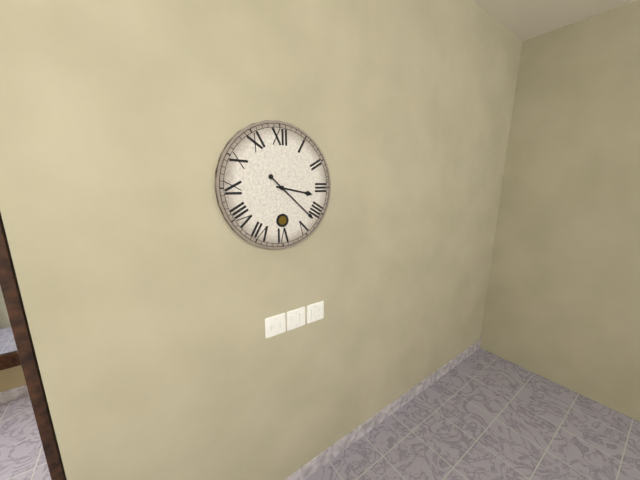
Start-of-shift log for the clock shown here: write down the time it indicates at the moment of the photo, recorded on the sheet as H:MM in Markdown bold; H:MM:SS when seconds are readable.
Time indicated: **3:22**
